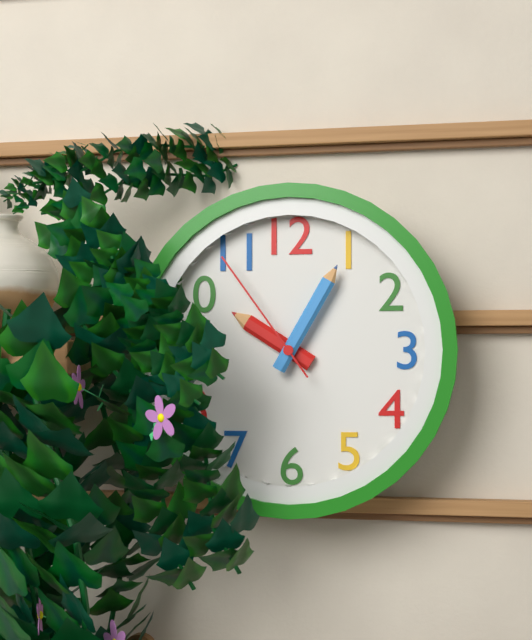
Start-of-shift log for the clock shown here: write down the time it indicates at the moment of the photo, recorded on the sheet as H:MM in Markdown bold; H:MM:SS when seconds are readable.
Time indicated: **10:05:54**
